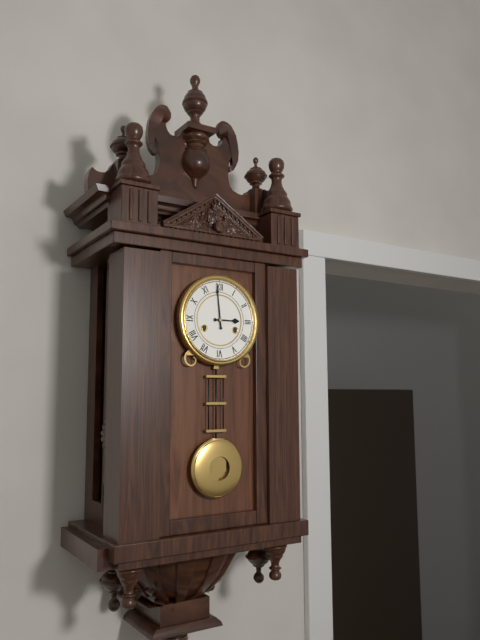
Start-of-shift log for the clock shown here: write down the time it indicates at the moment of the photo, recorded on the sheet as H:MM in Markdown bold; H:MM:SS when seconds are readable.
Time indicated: **2:59**
